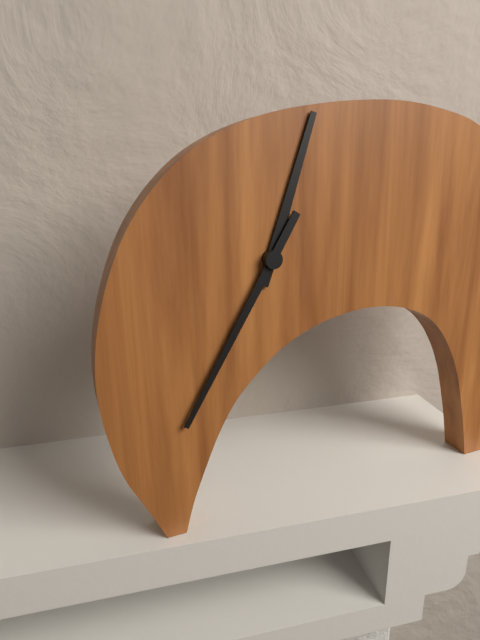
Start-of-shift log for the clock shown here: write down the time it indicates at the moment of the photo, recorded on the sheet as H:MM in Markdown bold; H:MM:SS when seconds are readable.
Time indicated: **12:35**
